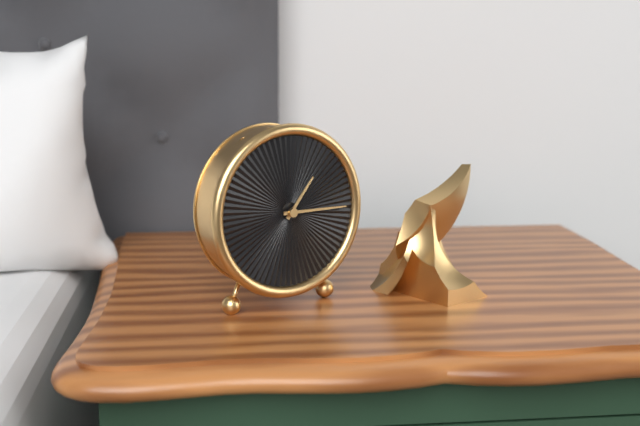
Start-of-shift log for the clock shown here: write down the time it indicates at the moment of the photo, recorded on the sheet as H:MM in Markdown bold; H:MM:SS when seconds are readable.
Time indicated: **1:15**
